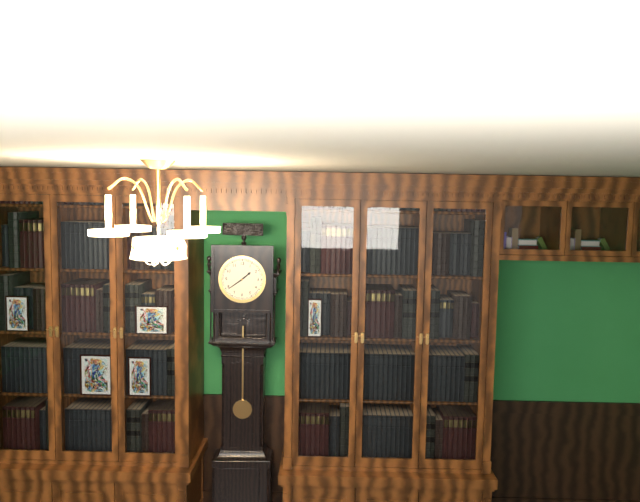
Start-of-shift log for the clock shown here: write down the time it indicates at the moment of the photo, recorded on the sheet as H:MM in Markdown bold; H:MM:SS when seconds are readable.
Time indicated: **1:39**
